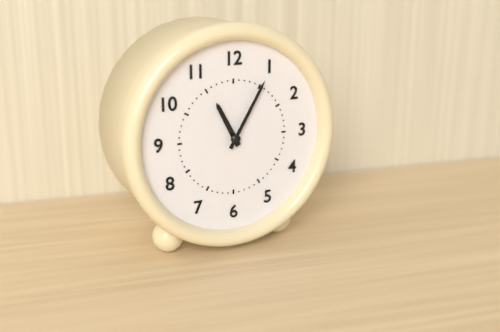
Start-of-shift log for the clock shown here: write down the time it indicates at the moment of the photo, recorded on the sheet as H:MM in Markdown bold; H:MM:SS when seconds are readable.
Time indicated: **11:05**
